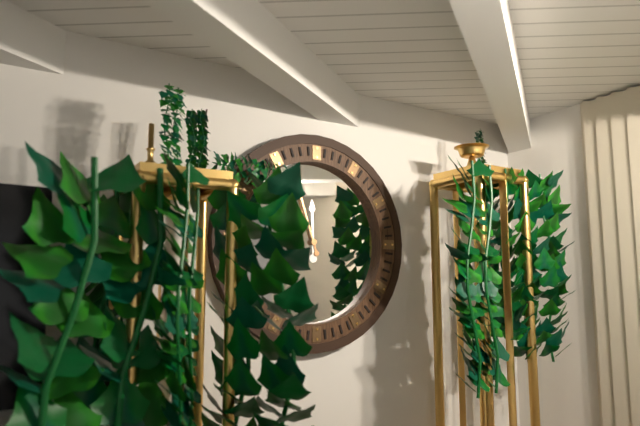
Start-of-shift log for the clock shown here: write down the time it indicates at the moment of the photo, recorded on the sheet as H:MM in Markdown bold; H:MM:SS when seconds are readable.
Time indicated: **11:57**
